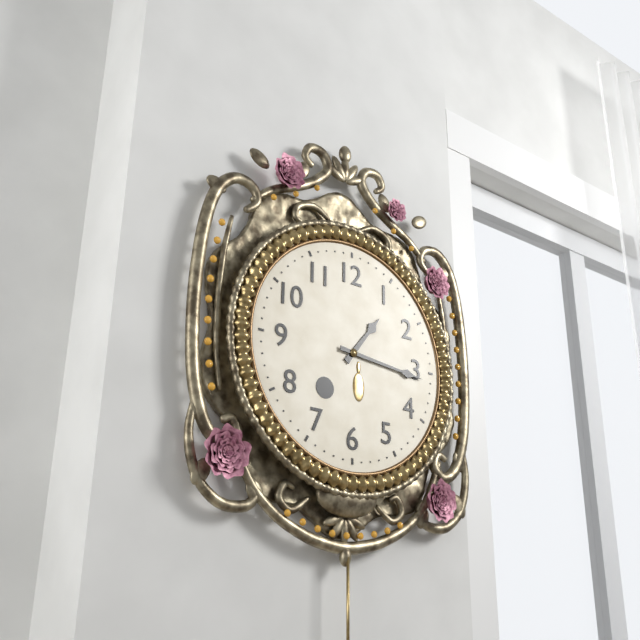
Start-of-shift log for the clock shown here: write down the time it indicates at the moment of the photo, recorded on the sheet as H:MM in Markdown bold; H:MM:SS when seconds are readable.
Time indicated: **1:16**
